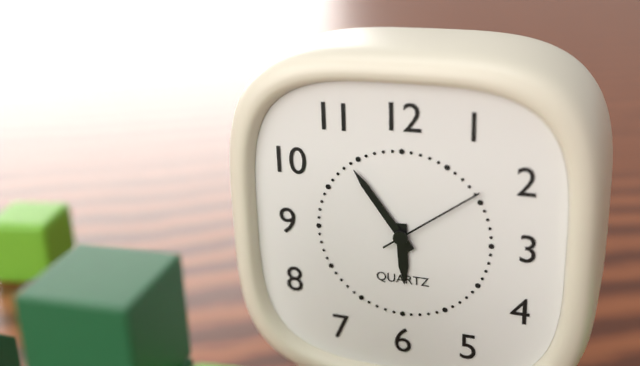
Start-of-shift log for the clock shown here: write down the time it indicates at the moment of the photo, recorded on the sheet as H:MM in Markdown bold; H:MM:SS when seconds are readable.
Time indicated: **5:54:09**
